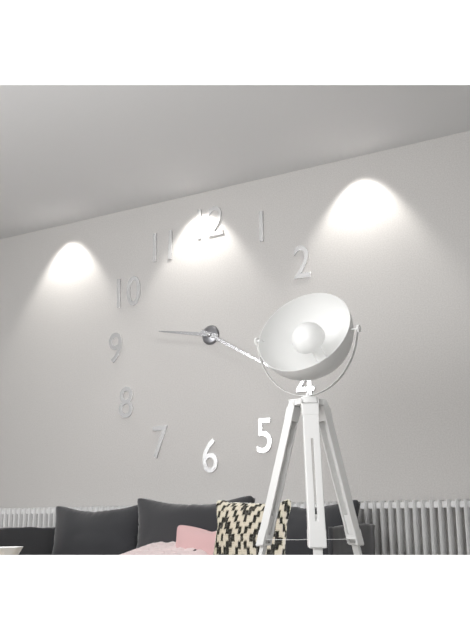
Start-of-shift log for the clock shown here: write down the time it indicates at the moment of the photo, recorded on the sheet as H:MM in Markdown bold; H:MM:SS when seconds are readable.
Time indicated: **9:20**
